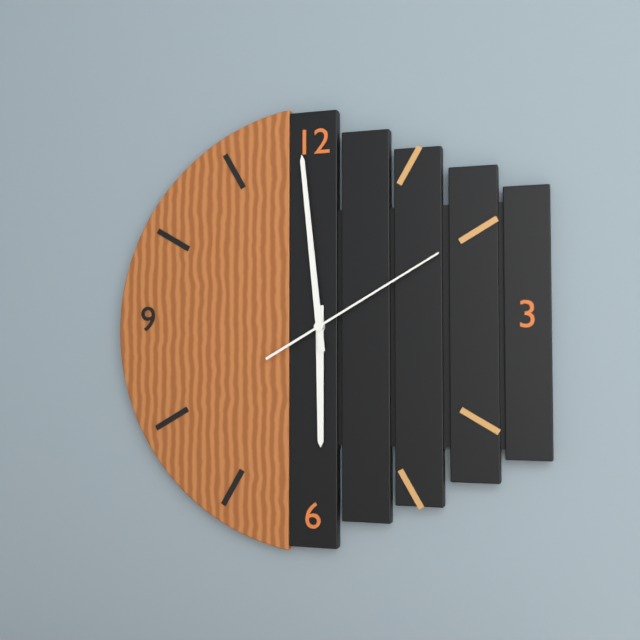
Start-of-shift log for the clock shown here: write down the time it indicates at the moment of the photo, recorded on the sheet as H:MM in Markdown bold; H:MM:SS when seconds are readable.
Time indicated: **5:59:10**
